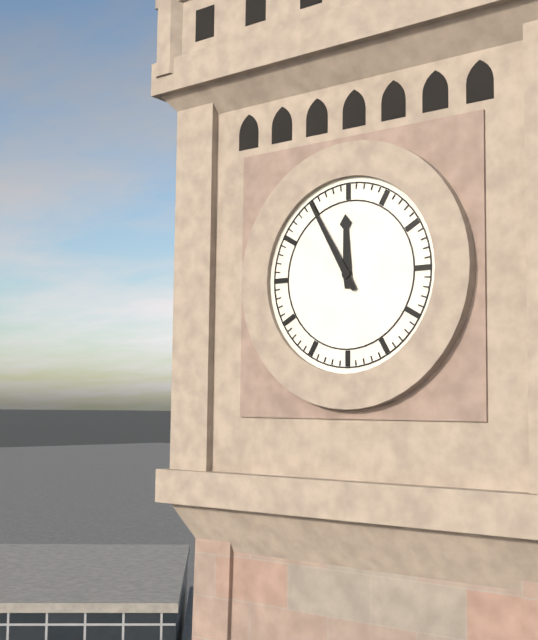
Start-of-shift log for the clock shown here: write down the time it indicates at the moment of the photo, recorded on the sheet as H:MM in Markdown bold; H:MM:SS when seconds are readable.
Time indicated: **11:55**
